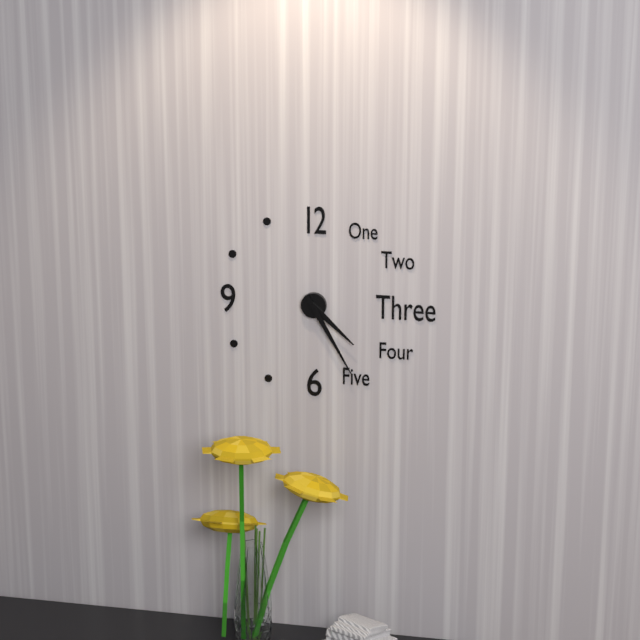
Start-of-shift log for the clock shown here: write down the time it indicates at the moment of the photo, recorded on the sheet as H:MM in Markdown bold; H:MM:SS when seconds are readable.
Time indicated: **4:25**
